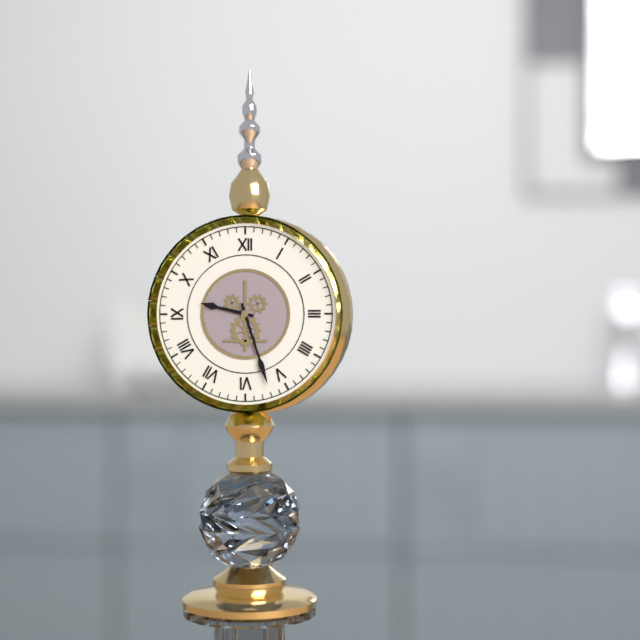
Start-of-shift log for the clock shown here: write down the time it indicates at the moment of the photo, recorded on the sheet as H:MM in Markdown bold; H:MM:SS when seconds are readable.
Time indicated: **9:27**
